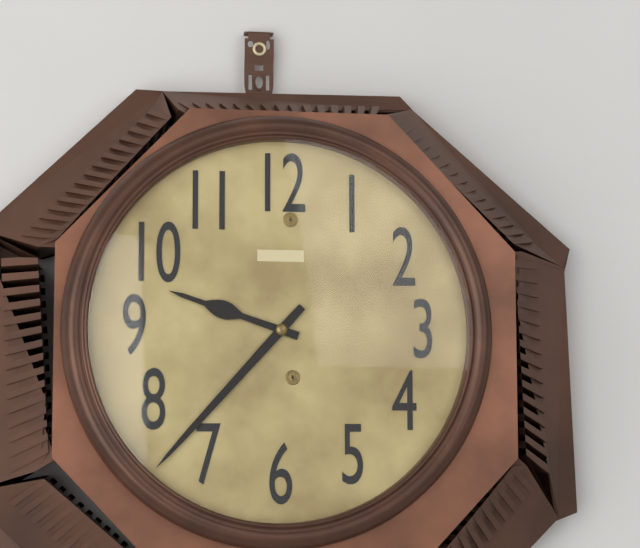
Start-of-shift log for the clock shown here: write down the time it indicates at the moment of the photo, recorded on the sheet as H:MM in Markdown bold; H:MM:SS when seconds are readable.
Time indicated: **9:37**
